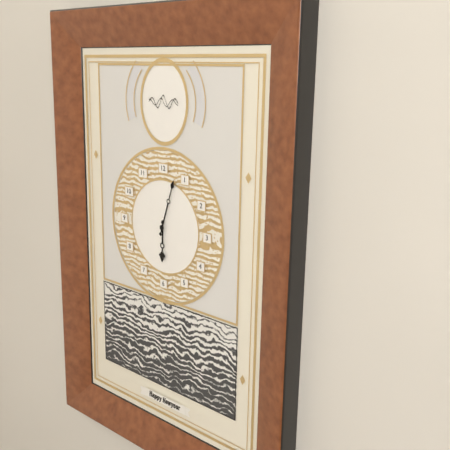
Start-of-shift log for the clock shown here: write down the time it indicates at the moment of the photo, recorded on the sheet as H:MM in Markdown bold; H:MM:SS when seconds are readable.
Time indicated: **6:03**
